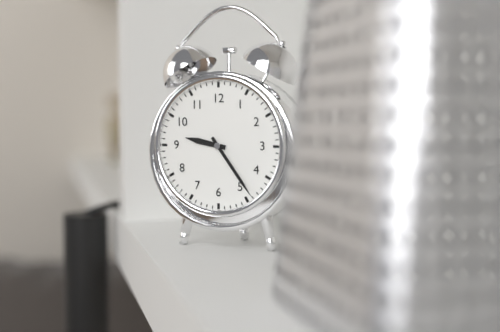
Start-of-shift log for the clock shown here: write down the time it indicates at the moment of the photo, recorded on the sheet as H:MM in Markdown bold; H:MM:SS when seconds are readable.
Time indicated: **9:24**
